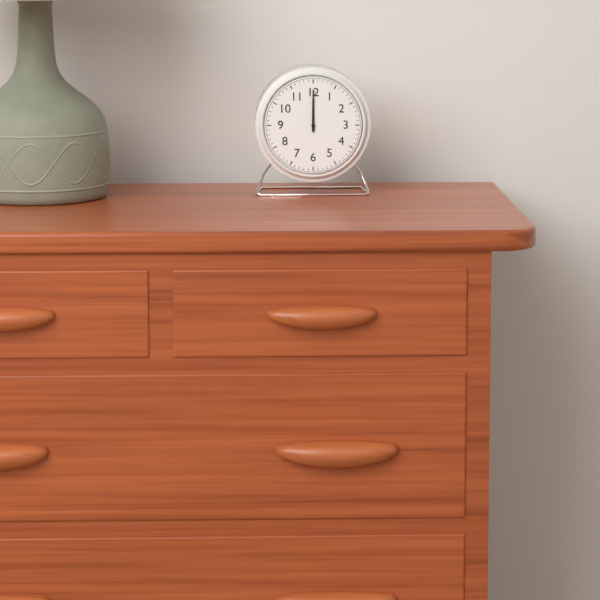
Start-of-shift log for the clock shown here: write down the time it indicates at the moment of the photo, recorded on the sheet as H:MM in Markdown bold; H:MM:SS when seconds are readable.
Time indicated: **12:00**
